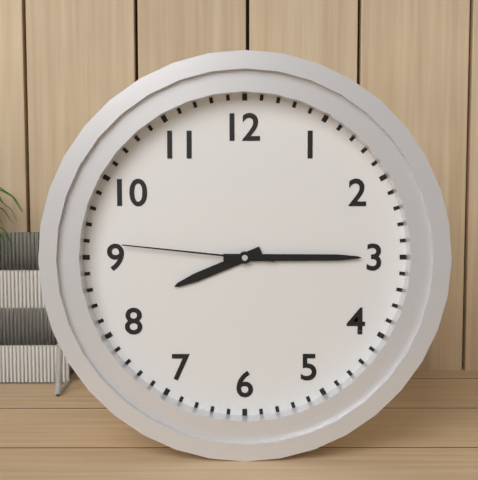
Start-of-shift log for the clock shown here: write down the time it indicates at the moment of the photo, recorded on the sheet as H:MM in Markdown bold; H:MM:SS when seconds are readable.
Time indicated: **8:15:46**
